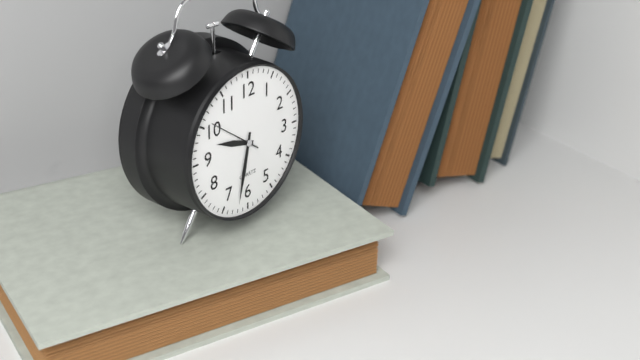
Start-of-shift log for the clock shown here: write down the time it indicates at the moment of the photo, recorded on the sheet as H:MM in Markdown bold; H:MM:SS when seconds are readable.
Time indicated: **9:32:51**
